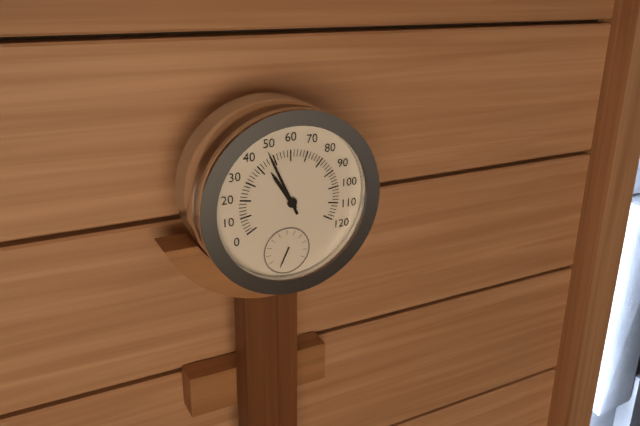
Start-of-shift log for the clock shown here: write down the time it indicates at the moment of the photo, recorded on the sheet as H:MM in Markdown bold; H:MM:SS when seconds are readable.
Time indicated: **10:56**
